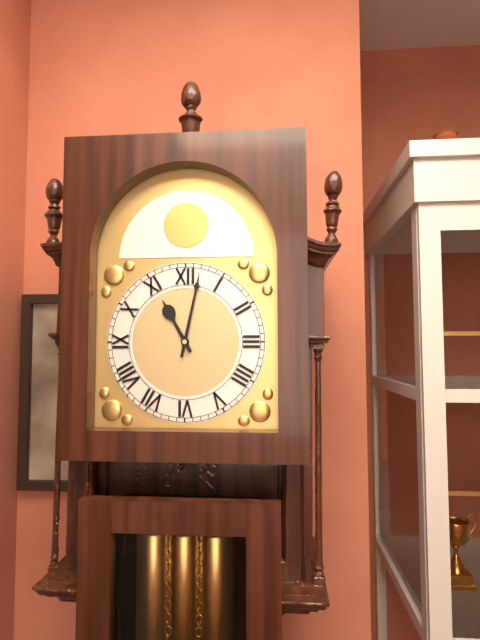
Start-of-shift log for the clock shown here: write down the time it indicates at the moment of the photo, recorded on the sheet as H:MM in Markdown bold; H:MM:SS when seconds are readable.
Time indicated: **11:02**
